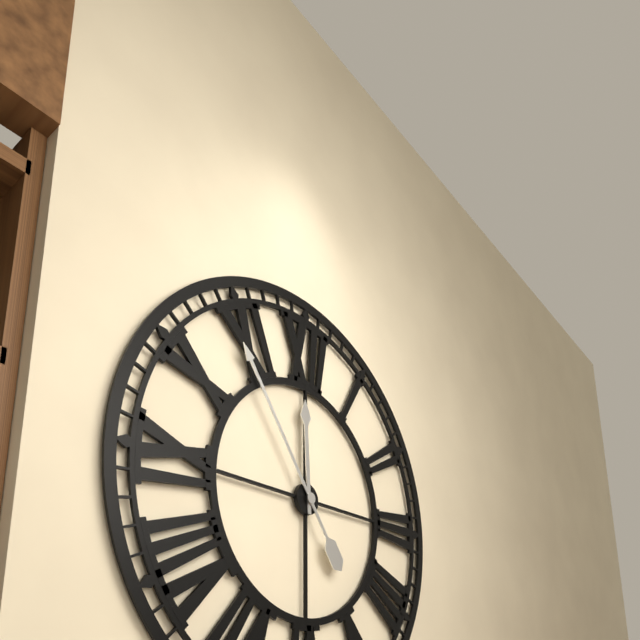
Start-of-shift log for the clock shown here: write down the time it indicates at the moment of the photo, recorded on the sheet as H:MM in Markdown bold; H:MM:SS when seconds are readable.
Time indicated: **11:54**
